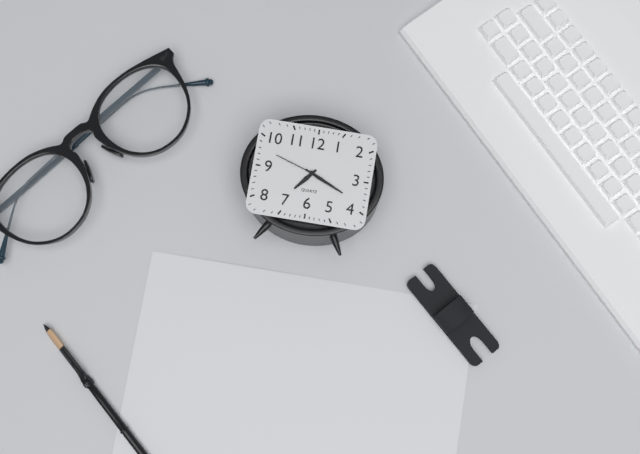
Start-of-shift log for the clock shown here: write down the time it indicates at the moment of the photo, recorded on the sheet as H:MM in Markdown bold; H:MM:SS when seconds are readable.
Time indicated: **7:19:48**
